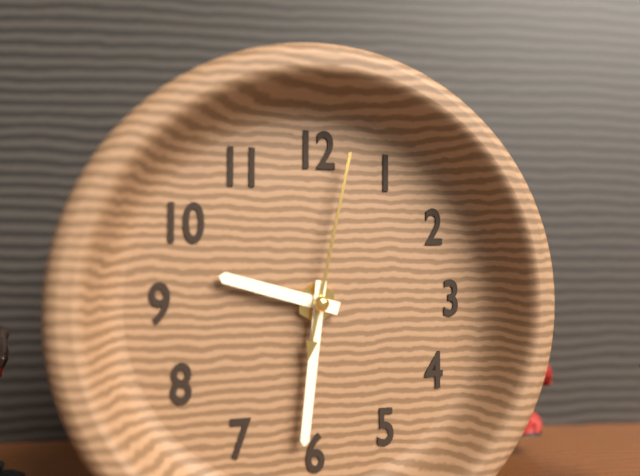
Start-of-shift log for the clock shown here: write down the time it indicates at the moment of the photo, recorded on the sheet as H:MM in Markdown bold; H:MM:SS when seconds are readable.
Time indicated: **9:31:02**
